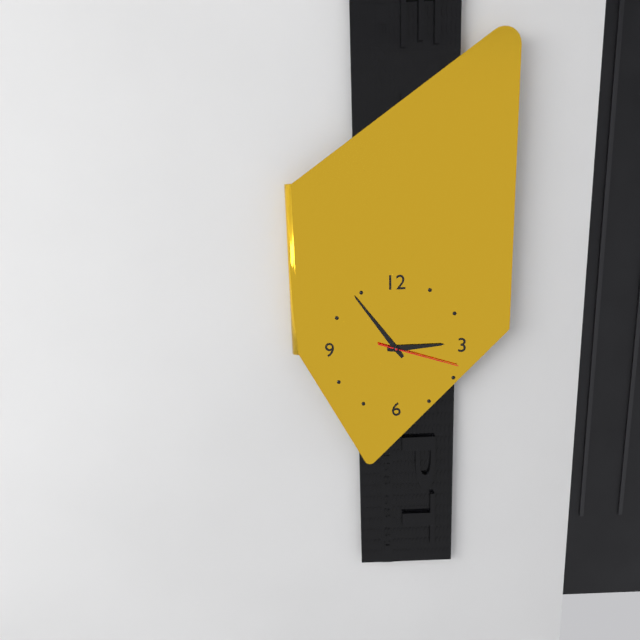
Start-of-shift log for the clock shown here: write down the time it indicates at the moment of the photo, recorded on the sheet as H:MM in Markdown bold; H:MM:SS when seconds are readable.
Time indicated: **2:54:18**
